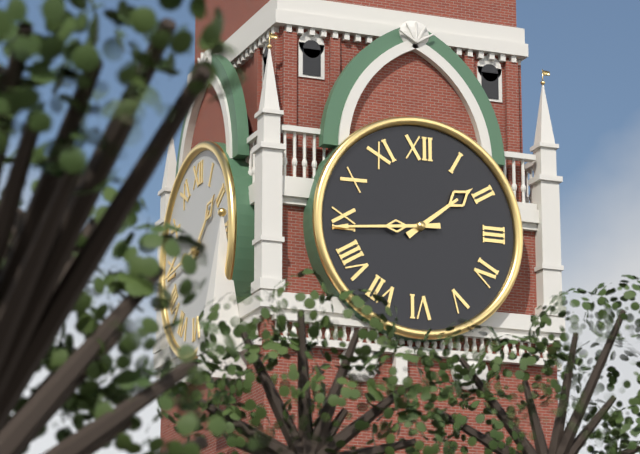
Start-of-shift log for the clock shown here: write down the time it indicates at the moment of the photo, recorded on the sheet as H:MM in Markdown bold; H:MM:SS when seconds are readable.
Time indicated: **1:44**
